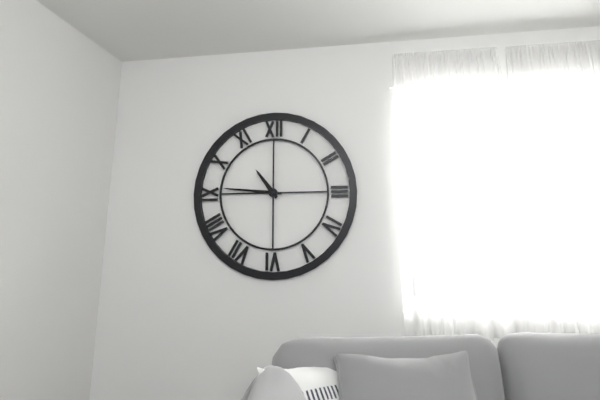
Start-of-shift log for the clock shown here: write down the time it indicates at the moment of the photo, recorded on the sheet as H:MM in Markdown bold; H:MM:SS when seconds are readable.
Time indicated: **10:46**
